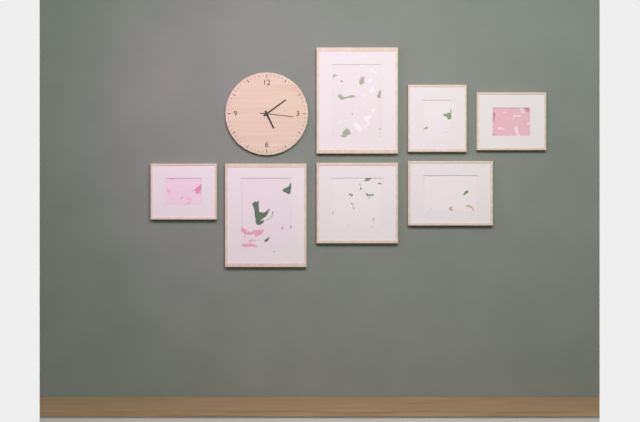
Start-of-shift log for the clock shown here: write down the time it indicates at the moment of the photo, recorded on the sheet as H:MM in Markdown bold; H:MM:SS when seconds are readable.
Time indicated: **5:09**
